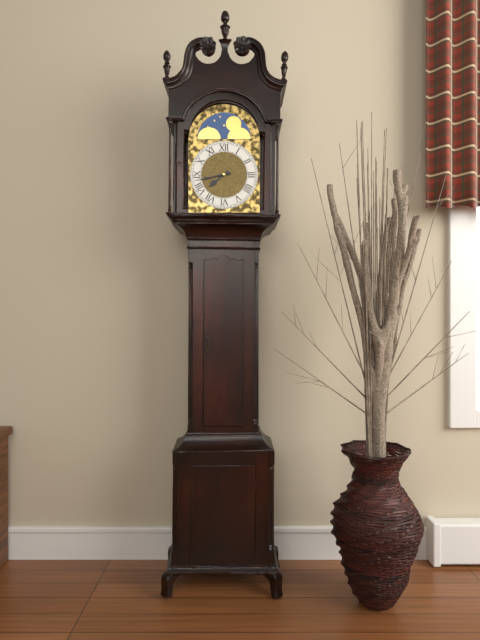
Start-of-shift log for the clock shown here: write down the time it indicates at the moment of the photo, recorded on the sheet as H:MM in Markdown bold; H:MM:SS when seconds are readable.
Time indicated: **7:43**
